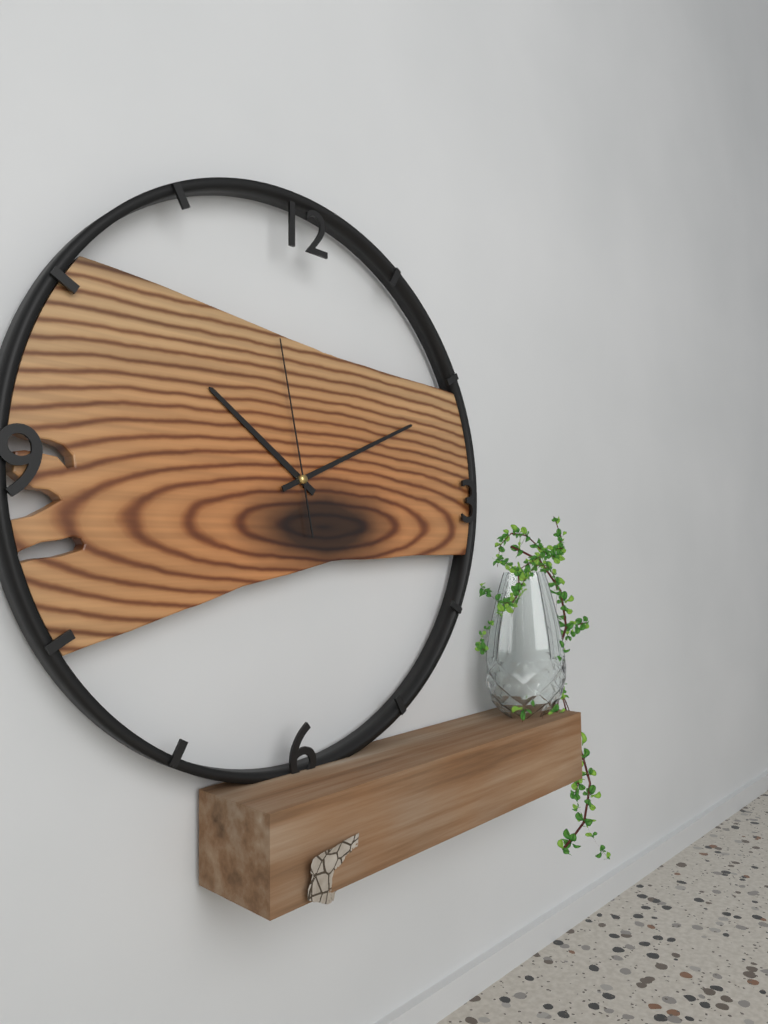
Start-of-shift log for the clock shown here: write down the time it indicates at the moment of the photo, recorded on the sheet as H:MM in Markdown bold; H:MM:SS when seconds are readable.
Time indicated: **10:11:58**
